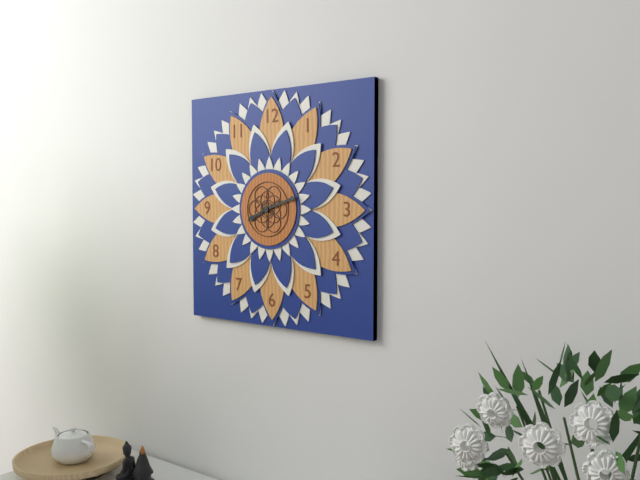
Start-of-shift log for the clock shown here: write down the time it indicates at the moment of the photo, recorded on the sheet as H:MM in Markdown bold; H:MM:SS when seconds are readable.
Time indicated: **8:12**
